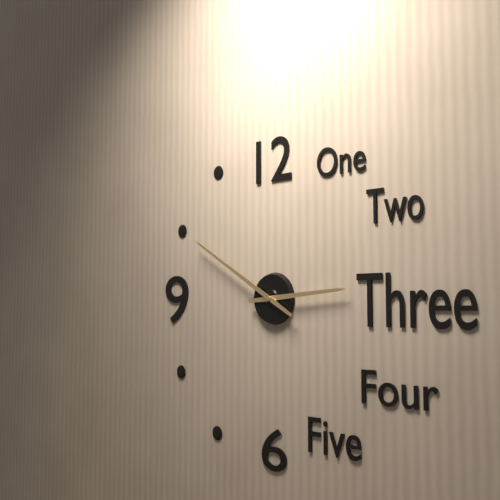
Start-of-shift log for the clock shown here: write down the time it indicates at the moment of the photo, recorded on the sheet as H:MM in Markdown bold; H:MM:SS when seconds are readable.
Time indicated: **2:50**
